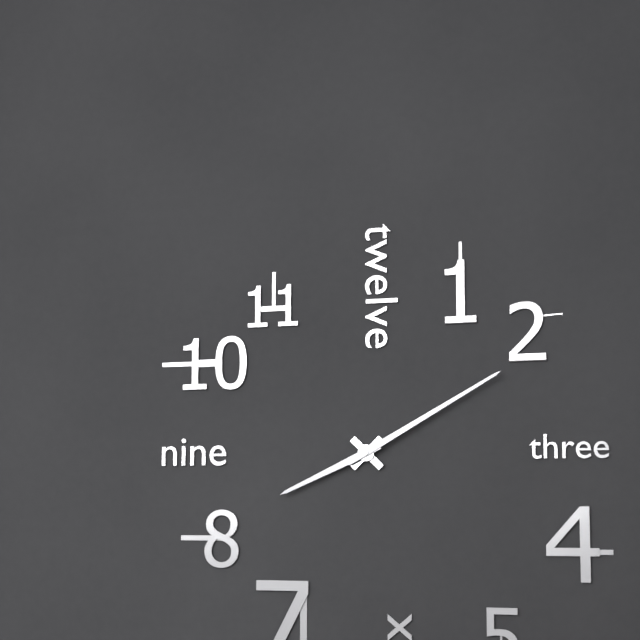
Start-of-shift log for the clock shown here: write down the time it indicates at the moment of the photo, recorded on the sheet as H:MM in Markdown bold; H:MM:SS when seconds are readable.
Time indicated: **8:10**
